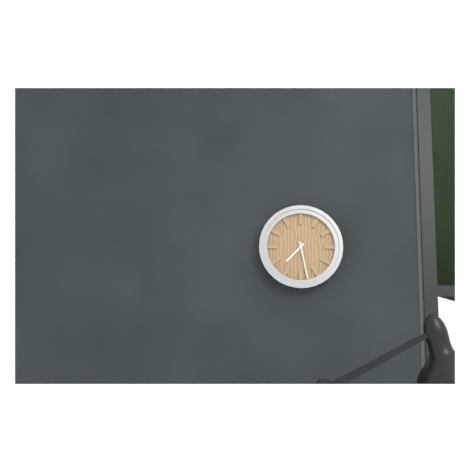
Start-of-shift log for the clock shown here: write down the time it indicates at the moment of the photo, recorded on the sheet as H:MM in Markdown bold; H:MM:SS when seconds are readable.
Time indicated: **7:28**
